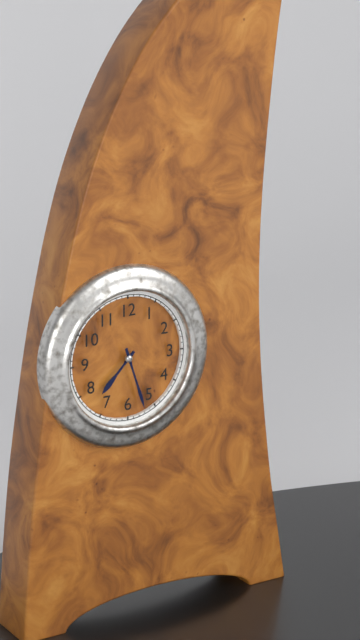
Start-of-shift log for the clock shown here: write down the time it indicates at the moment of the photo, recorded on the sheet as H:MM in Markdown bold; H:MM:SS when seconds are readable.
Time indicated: **7:27**
